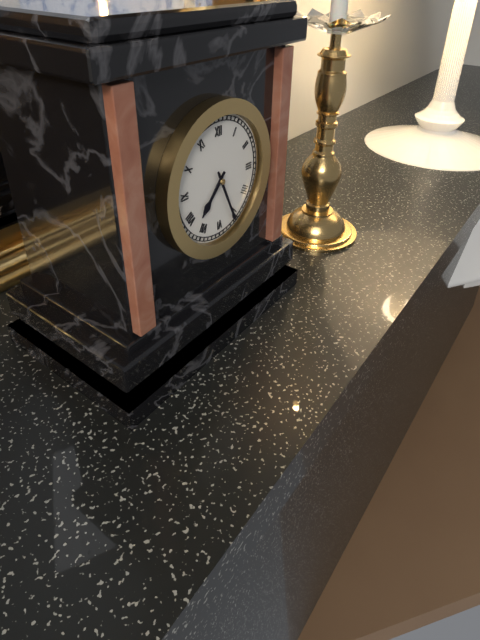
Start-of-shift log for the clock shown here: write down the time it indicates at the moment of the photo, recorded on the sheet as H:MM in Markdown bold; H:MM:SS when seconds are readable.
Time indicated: **7:26**
